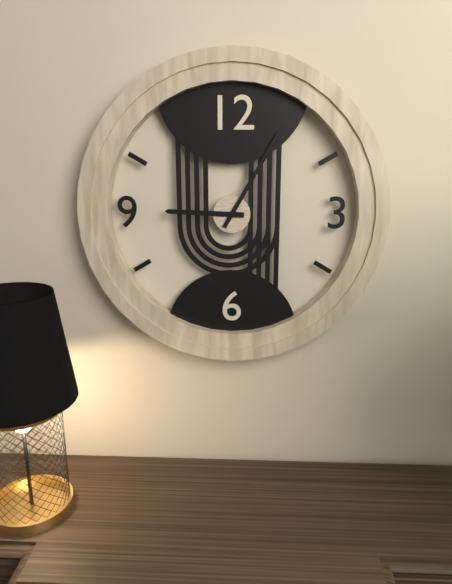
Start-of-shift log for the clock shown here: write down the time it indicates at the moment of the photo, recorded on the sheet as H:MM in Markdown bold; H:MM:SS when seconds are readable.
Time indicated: **9:05**
